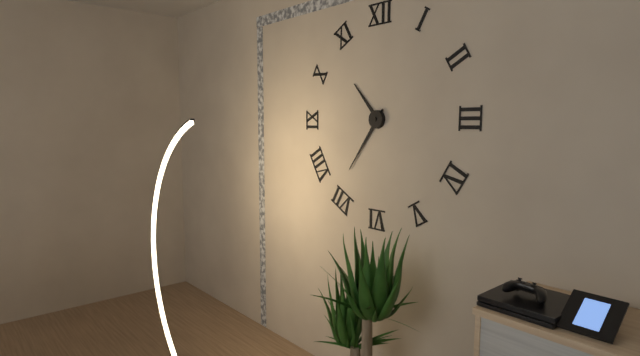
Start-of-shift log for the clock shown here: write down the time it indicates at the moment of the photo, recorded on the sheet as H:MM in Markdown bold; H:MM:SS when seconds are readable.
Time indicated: **10:36**
